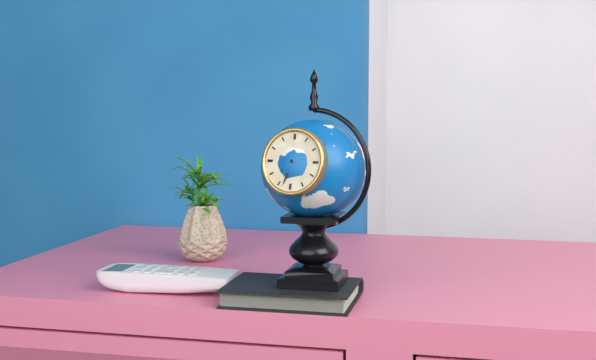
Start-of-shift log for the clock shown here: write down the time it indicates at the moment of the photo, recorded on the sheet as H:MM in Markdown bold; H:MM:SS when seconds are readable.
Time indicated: **7:33**
